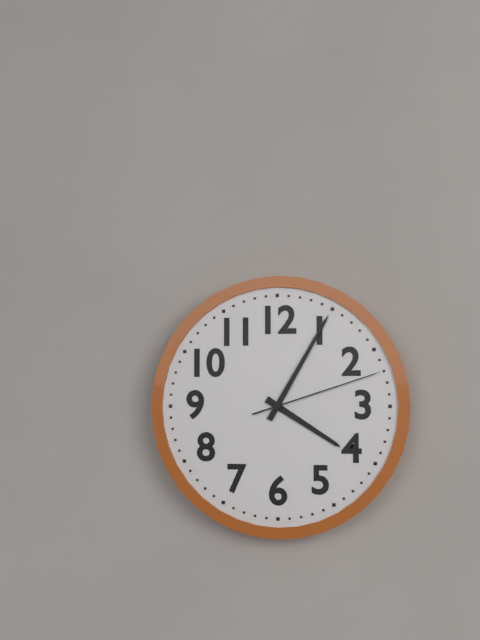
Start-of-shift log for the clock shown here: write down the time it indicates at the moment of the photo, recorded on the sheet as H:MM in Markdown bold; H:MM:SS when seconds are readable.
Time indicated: **4:05:12**
